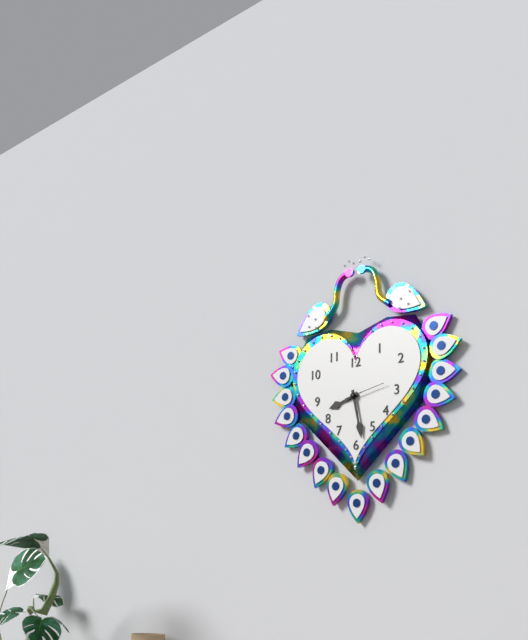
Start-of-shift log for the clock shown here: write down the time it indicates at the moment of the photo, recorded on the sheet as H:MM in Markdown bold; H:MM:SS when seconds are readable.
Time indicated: **8:28**
